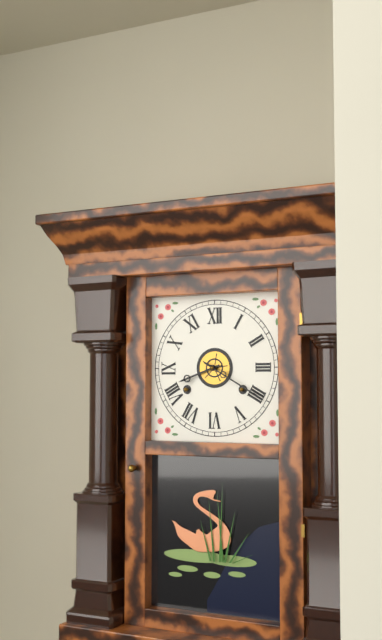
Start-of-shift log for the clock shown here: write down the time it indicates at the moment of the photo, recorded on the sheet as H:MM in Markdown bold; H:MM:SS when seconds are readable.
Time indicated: **8:20**
